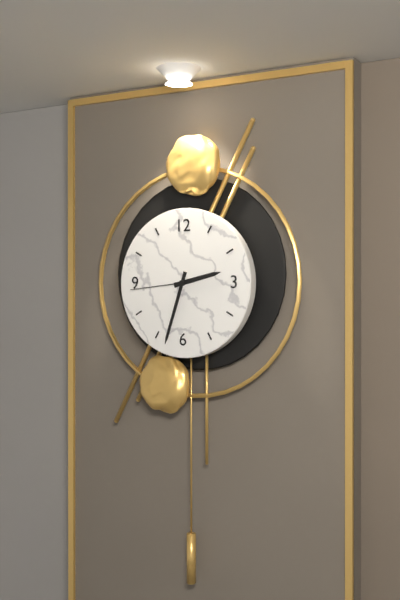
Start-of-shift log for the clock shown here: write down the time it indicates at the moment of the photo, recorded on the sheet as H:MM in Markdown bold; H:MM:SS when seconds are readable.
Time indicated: **2:33:44**
